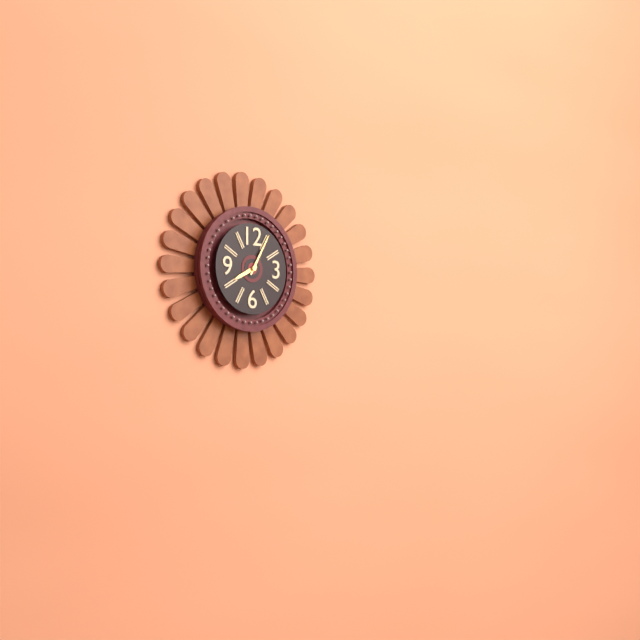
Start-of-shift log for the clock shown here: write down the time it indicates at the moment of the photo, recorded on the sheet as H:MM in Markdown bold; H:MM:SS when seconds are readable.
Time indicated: **8:05**
